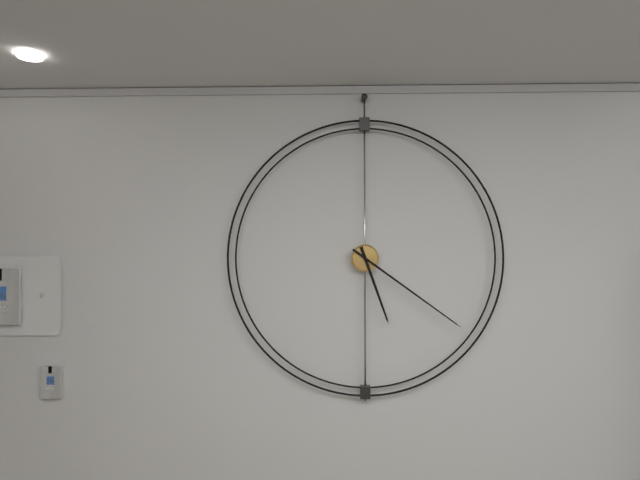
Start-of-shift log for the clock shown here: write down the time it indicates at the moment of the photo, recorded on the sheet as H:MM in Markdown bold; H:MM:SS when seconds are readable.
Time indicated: **5:21**
